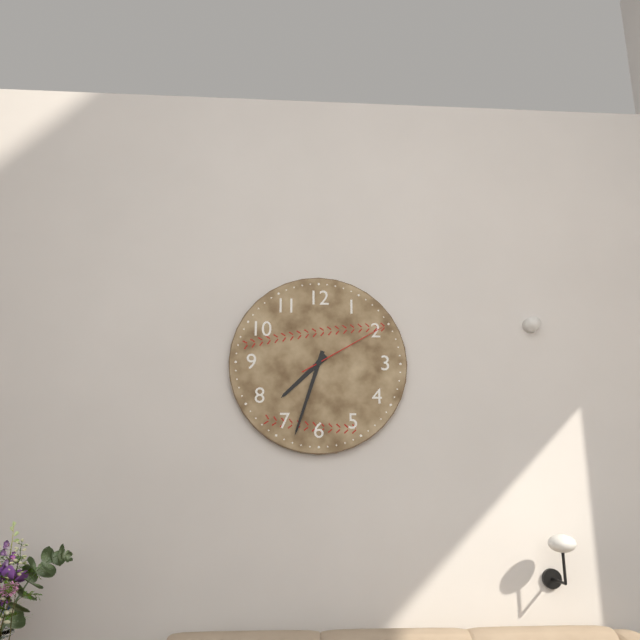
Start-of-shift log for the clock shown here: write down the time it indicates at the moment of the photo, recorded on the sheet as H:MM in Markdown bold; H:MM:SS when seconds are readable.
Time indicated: **7:33:10**
